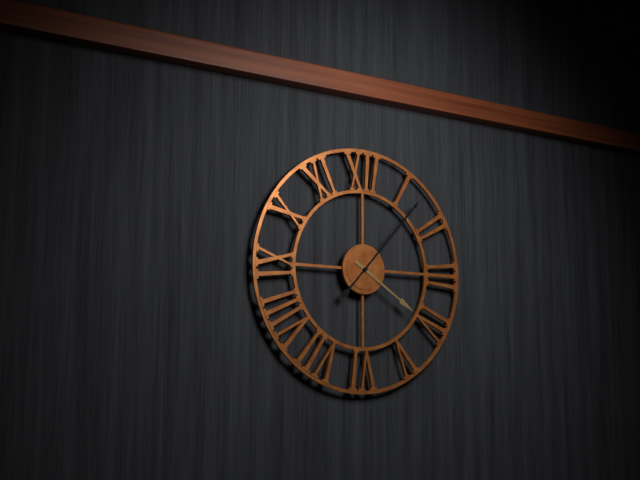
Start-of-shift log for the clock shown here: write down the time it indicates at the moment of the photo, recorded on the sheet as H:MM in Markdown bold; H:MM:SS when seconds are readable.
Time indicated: **4:07**
